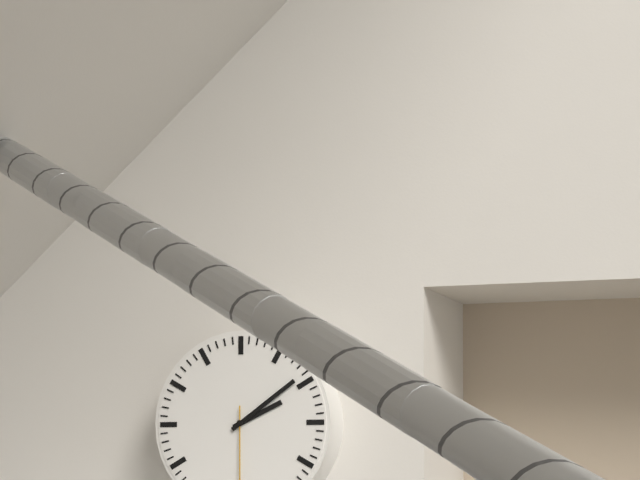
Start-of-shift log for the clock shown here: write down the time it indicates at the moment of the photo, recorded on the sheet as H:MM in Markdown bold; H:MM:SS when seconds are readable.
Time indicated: **2:09**
